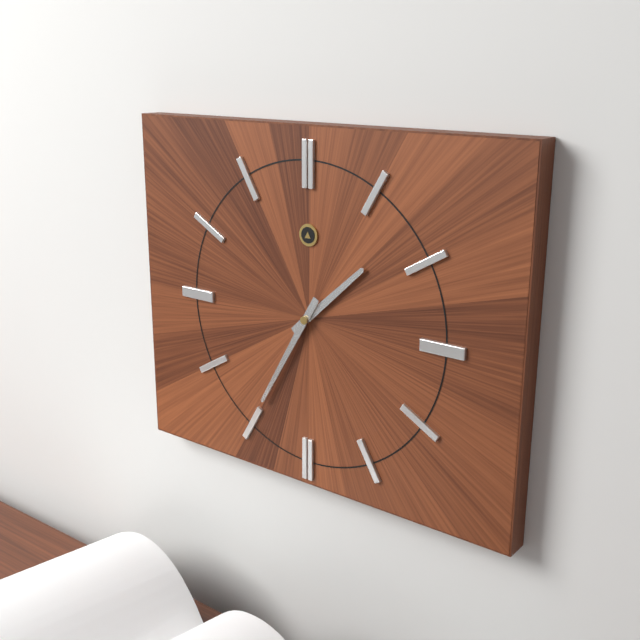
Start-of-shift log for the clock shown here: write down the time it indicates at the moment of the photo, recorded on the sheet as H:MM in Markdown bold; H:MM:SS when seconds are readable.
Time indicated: **1:35**
